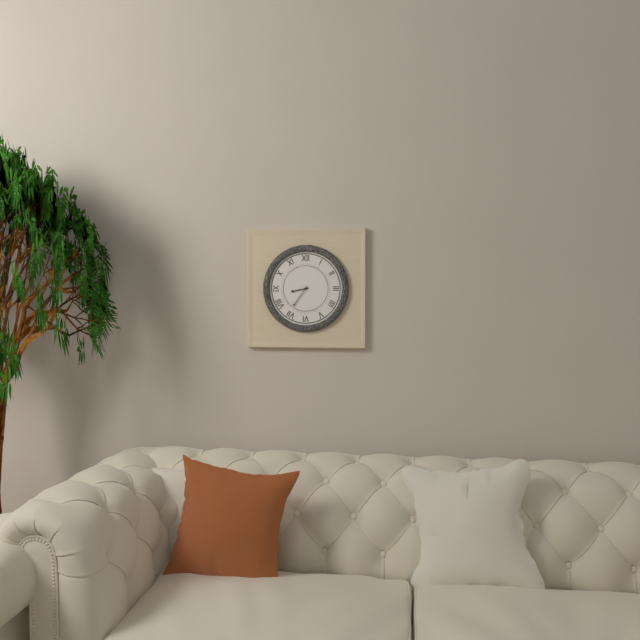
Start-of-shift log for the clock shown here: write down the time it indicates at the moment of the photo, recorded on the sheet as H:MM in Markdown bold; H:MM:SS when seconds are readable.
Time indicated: **8:36**
